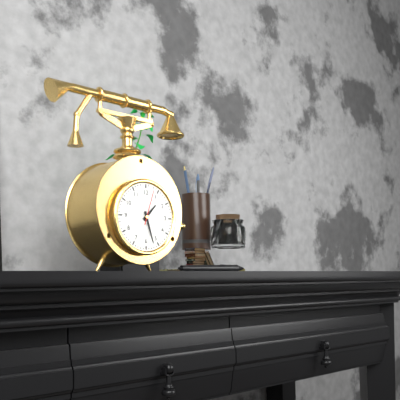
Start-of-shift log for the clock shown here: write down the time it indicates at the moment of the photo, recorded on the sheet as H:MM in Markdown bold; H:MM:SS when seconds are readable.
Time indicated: **1:27**
